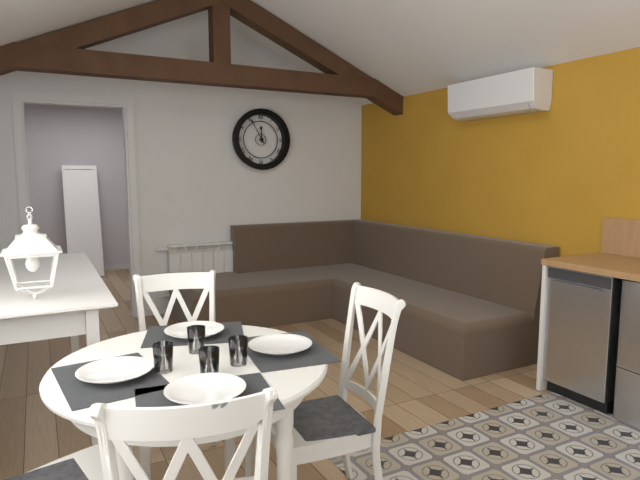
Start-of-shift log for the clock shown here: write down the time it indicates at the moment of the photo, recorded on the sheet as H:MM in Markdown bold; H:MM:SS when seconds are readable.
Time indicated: **11:55**
